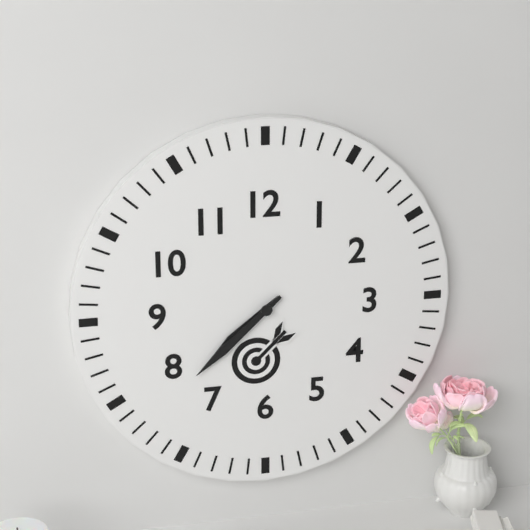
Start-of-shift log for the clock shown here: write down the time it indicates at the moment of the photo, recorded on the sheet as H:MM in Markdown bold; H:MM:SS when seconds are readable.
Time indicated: **7:38**
